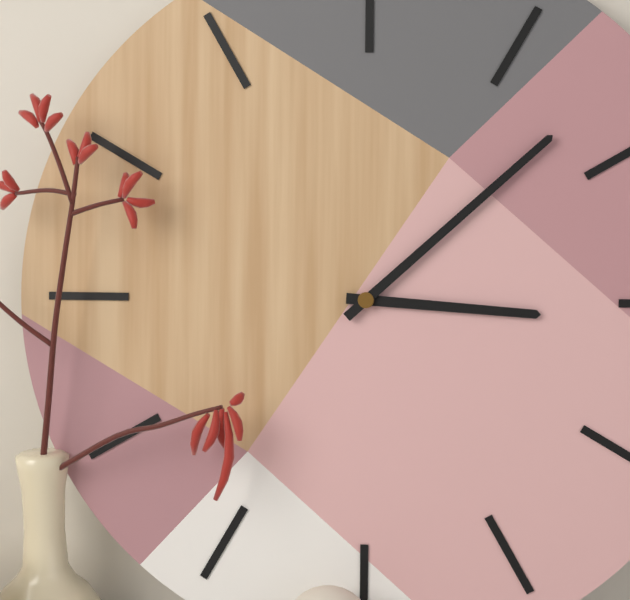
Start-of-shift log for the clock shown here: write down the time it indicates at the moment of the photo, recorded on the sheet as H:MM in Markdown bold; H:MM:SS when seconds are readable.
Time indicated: **3:08**
